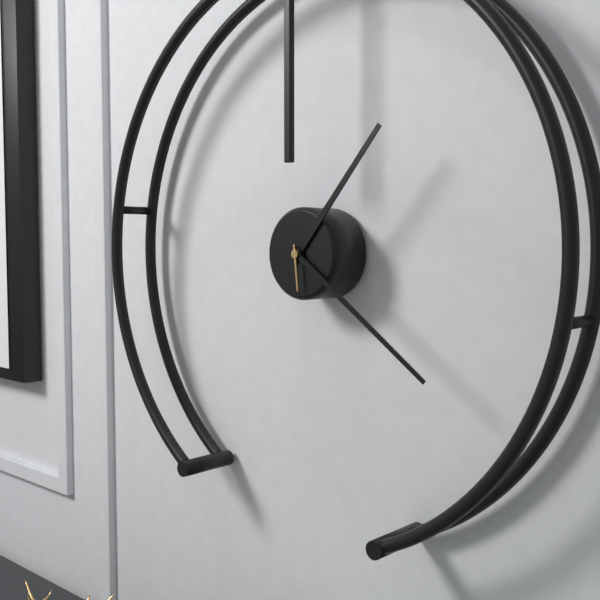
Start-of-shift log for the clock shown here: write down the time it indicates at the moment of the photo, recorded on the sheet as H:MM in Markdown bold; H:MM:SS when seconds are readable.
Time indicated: **1:21**
